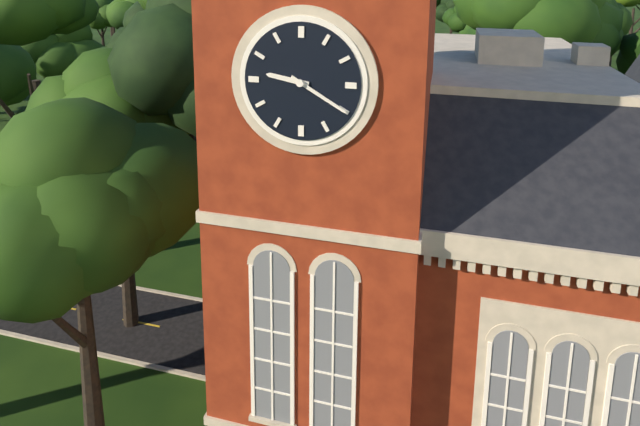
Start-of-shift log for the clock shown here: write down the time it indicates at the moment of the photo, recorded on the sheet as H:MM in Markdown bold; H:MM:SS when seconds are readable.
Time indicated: **9:20**
